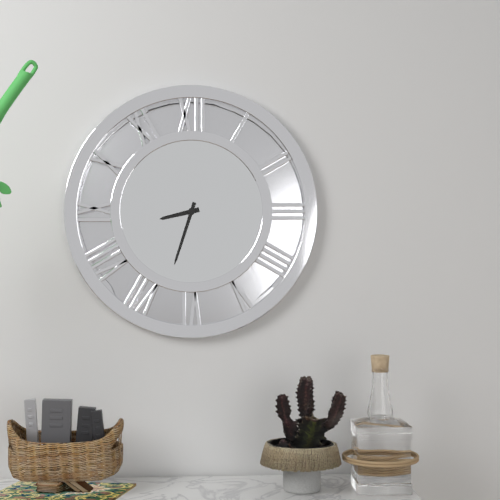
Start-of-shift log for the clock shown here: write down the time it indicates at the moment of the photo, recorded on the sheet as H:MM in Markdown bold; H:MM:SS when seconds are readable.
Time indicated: **8:33**
